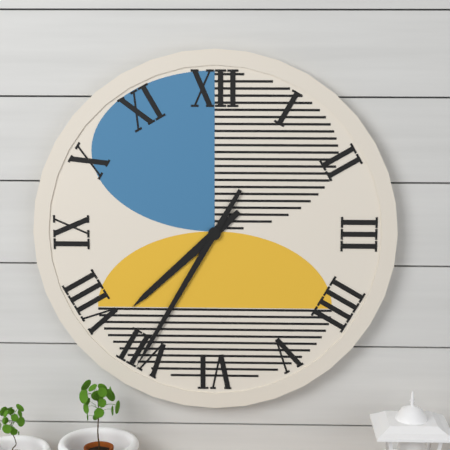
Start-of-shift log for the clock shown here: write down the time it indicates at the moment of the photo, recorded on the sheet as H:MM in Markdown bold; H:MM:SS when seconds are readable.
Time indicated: **7:35**
